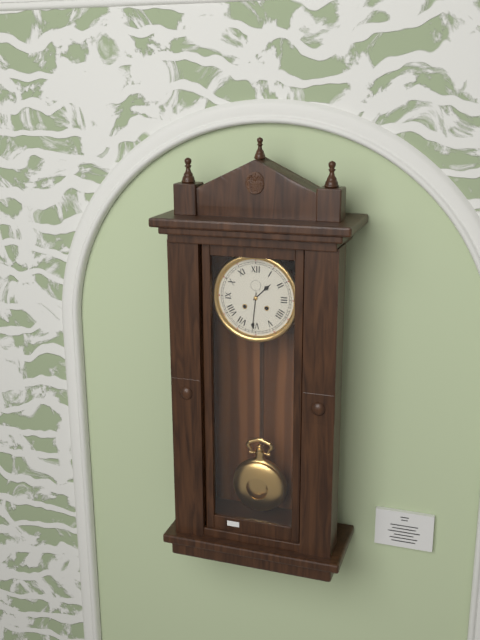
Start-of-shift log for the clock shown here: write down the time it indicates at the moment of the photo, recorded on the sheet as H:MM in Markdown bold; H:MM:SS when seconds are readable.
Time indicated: **1:31**
